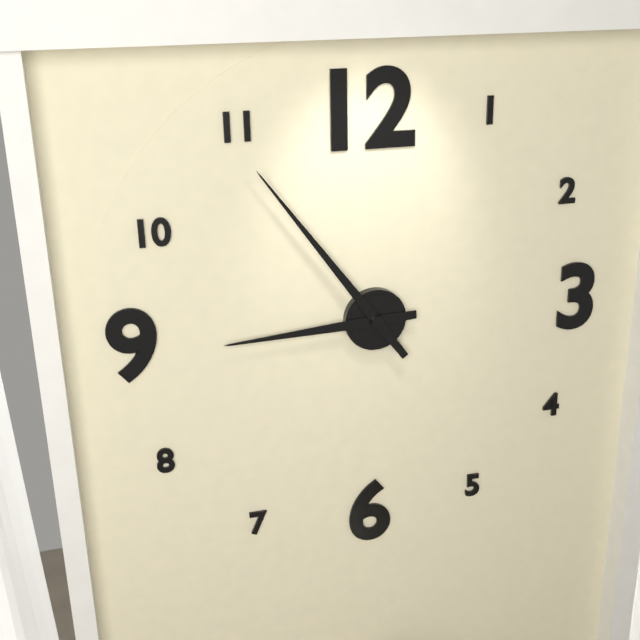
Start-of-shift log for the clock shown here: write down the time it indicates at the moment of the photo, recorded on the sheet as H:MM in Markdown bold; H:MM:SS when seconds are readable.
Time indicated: **8:54**
